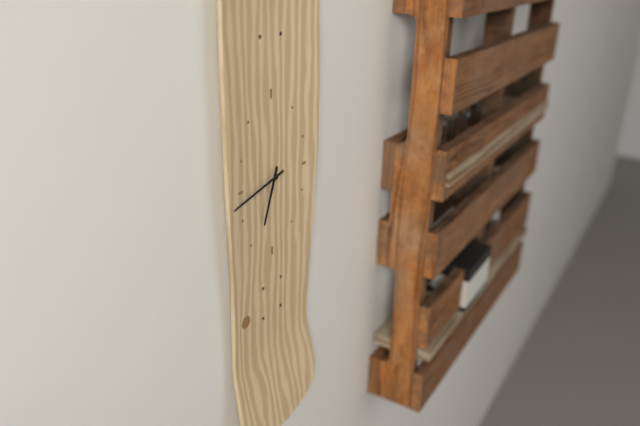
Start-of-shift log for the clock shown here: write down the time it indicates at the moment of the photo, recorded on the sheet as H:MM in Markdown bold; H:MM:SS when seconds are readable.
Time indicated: **6:43**
